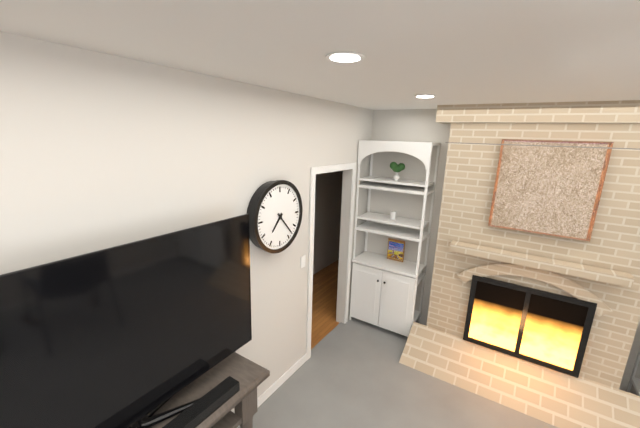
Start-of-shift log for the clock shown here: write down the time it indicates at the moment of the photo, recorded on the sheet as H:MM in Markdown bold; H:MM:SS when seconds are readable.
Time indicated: **7:23**
